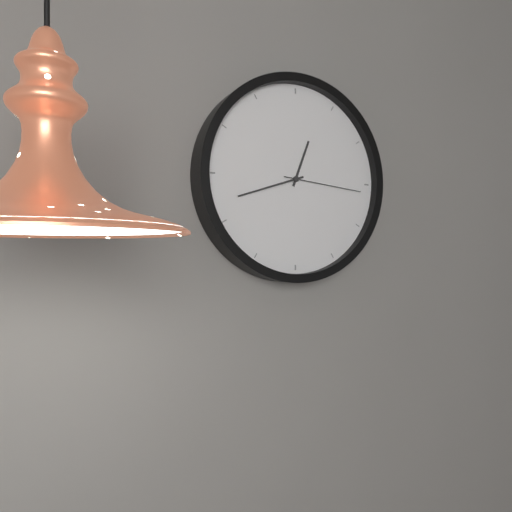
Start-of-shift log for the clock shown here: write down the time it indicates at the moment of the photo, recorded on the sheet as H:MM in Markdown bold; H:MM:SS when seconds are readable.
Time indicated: **12:42:16**
